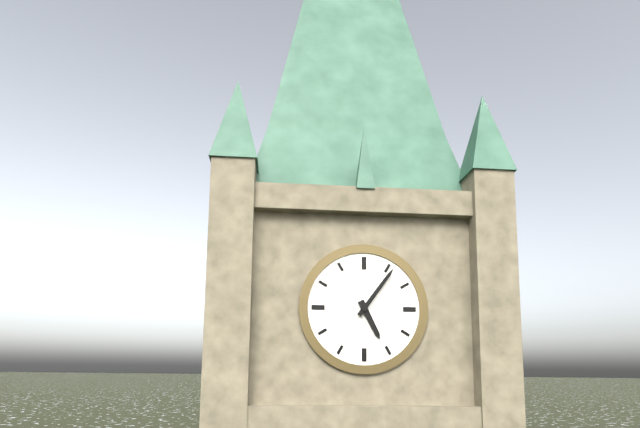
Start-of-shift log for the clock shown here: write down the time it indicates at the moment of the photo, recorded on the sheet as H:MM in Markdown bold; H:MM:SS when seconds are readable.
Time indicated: **5:06**
